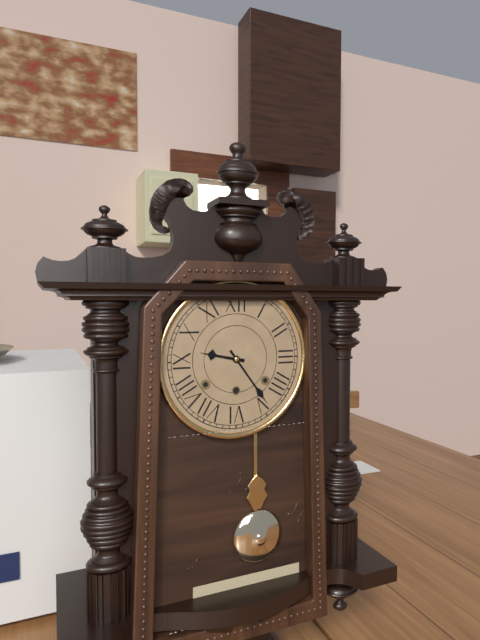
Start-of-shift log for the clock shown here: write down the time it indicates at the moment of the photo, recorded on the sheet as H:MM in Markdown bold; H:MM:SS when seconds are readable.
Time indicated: **9:24**
